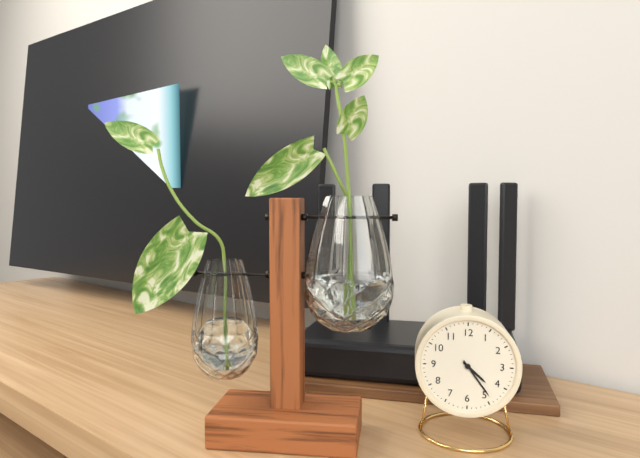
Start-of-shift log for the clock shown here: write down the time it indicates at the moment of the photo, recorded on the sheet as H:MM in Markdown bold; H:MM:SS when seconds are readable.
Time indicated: **4:24**
